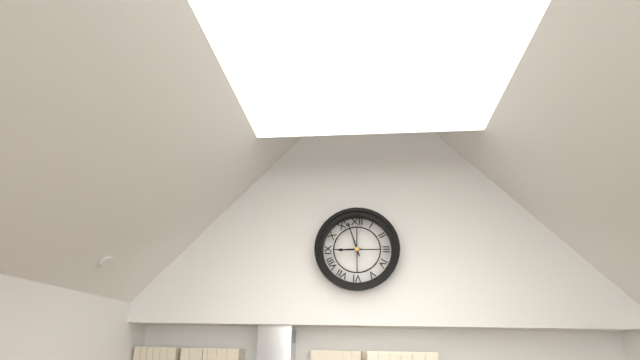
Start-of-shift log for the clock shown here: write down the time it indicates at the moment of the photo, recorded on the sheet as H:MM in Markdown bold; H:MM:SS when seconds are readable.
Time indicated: **8:57**
